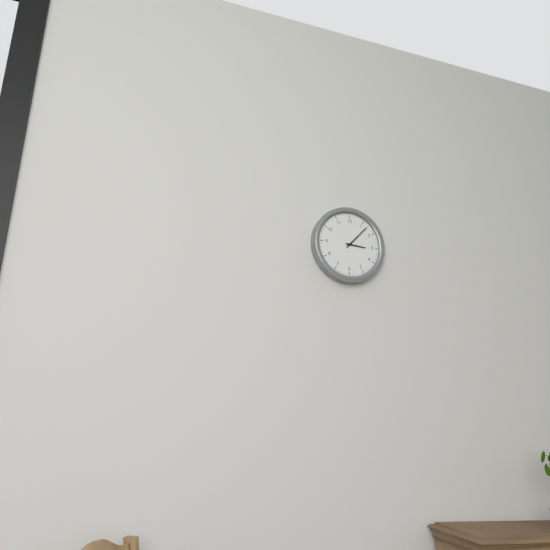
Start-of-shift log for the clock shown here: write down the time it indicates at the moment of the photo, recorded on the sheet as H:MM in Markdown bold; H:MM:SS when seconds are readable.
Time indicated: **3:07**
